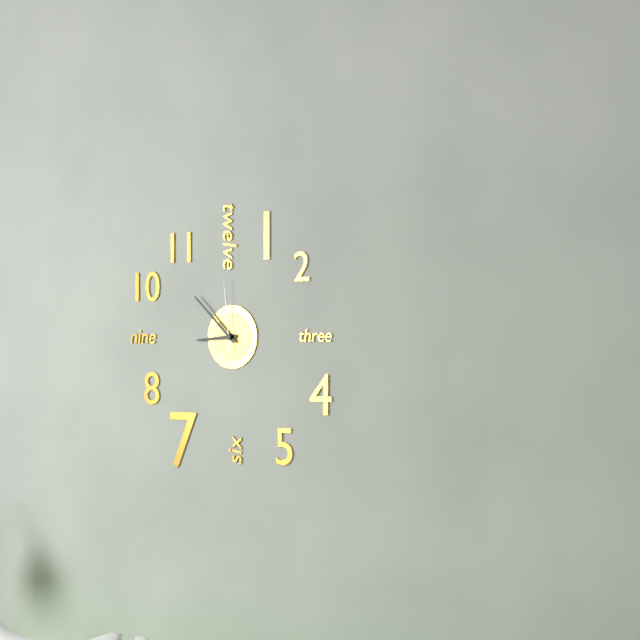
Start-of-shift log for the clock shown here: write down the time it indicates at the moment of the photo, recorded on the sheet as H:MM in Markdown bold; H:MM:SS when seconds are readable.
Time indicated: **8:52:59**
